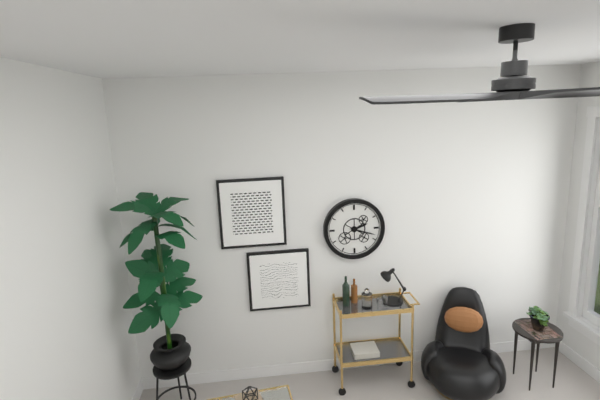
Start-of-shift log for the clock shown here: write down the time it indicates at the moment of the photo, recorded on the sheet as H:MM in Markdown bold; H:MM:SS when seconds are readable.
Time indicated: **2:18**
